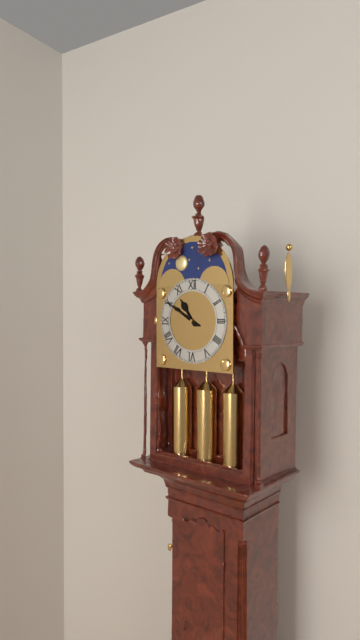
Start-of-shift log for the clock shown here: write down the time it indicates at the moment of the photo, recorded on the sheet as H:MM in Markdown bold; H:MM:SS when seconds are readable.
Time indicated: **10:50**
